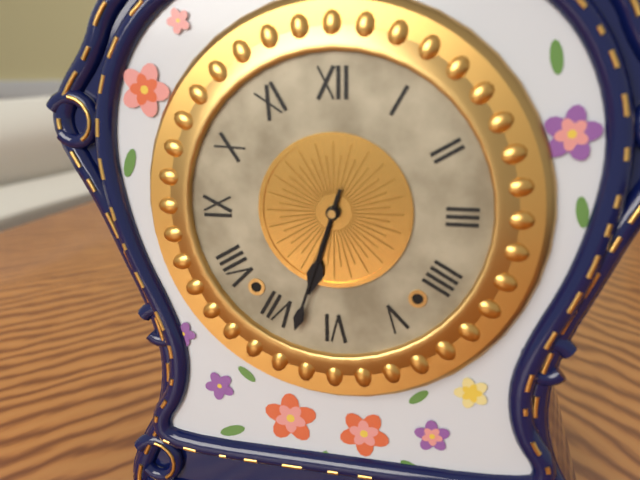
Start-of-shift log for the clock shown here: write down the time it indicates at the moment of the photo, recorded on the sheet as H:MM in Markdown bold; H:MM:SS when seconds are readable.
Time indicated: **6:33**
